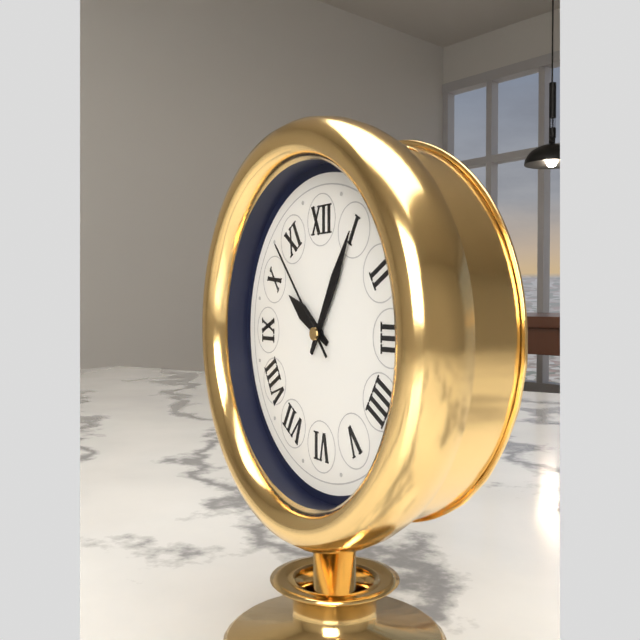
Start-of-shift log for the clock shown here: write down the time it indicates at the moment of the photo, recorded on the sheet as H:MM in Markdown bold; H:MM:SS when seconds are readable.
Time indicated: **10:05:53**
